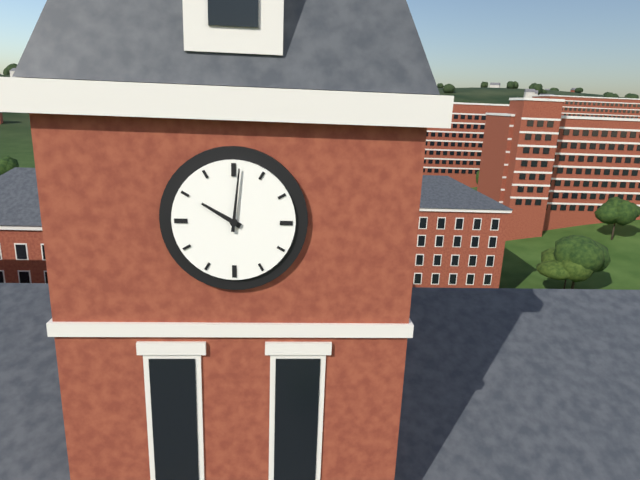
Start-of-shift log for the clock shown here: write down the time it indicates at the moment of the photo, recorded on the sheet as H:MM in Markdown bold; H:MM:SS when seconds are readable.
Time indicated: **10:01**
